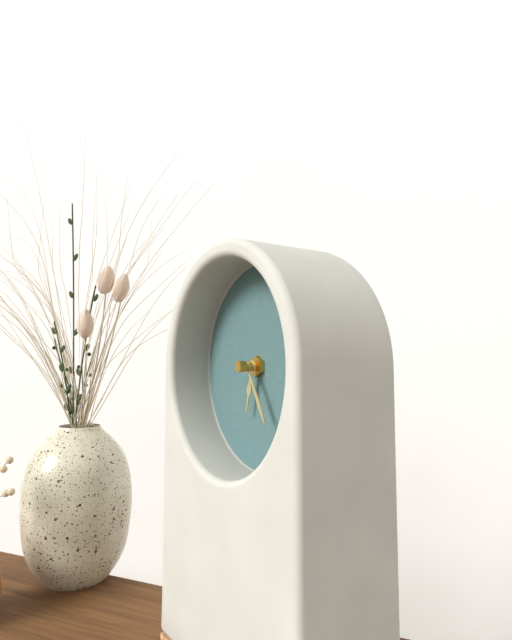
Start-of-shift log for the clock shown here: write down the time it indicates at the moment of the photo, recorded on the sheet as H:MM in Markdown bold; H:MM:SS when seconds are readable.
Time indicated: **6:25**
